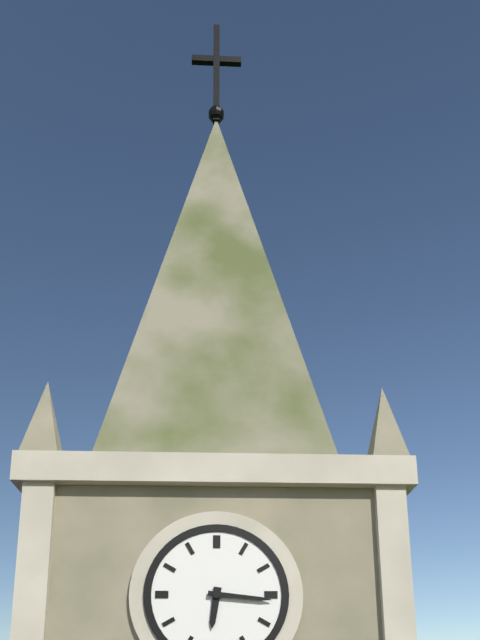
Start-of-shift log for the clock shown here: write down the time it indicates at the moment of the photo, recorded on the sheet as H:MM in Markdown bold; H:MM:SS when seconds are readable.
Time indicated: **6:16**
